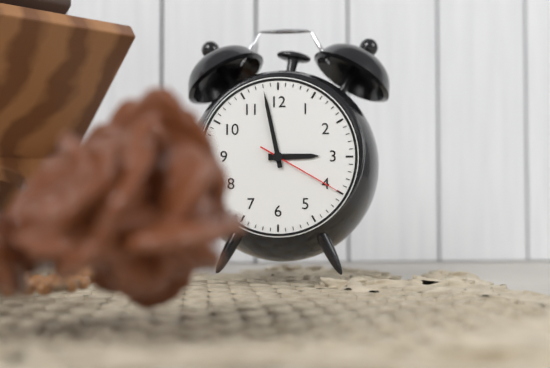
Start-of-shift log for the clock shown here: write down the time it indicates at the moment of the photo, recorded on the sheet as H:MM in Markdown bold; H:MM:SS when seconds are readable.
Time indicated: **2:58:20**
